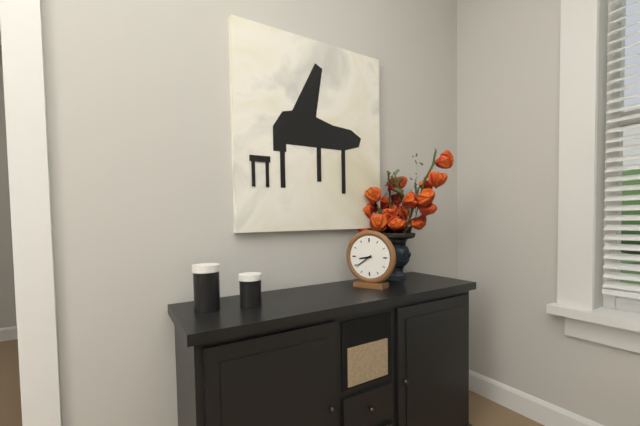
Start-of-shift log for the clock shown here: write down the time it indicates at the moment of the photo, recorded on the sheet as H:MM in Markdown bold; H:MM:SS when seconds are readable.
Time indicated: **8:39**
